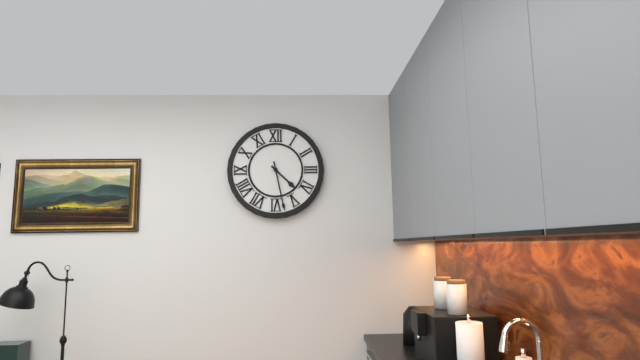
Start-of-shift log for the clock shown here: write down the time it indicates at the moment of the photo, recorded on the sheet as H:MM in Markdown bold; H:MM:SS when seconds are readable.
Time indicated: **4:28**
